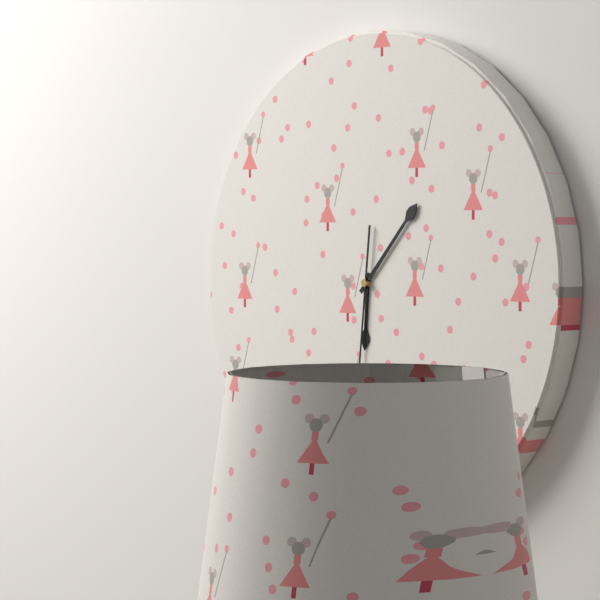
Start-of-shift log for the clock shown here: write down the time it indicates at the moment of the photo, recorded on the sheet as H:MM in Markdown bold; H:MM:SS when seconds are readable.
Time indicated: **6:07**
